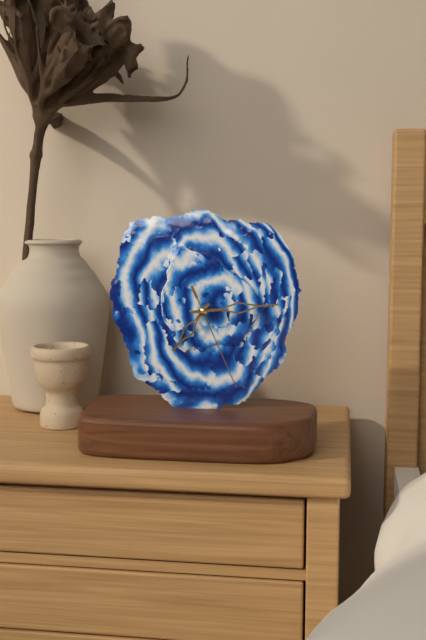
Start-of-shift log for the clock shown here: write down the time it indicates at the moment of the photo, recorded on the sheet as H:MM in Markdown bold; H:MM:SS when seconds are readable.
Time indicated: **7:14:26**
